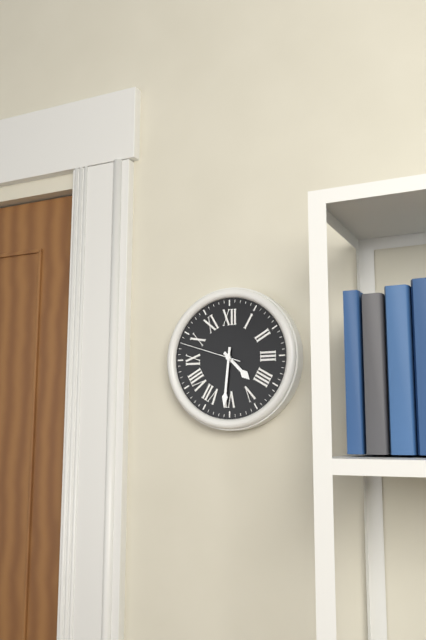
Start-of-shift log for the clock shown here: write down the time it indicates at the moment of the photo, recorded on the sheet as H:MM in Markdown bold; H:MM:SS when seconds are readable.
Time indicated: **4:31:48**
